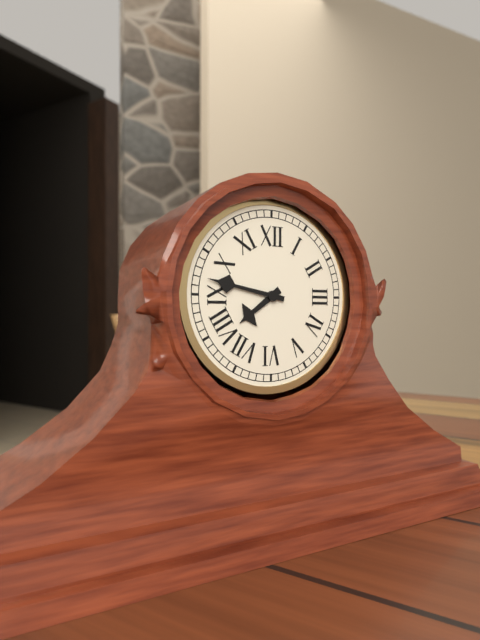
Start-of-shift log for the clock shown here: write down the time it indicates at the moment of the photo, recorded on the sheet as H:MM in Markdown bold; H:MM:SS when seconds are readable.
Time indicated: **7:47**
